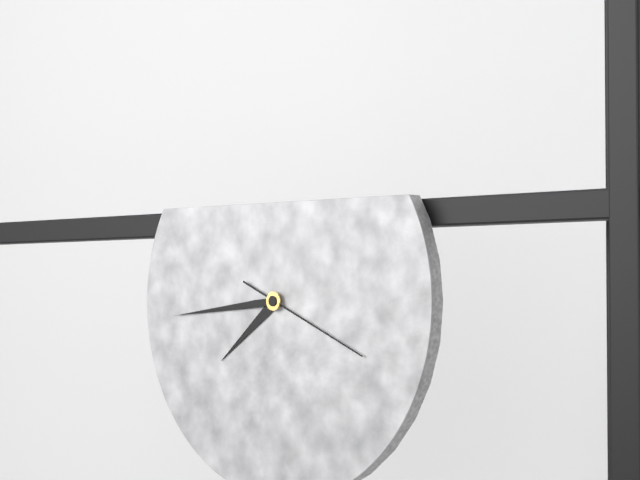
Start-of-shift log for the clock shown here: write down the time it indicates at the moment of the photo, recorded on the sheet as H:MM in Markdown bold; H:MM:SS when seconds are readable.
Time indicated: **7:44:19**
